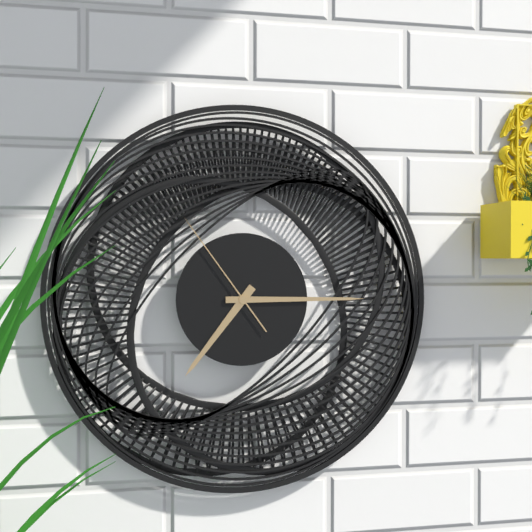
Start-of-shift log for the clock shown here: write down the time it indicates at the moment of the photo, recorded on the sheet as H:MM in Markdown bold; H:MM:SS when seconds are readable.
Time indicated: **7:15:54**
